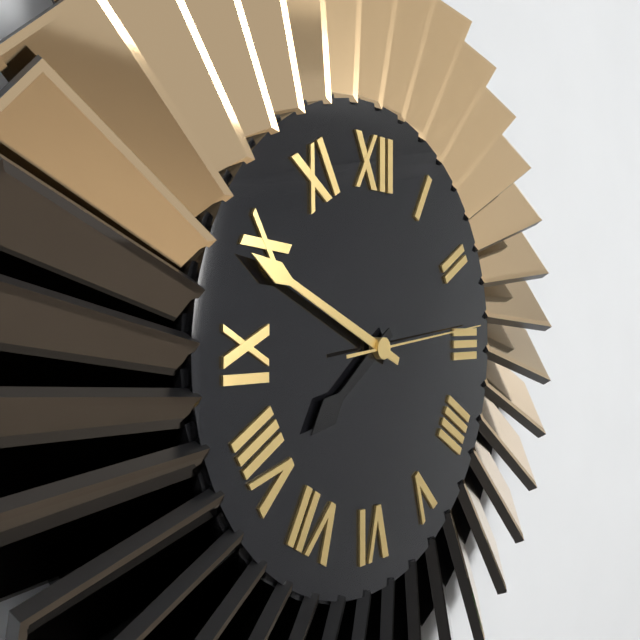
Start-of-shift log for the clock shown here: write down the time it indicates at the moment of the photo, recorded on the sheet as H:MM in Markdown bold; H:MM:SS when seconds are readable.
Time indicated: **7:49:14**
